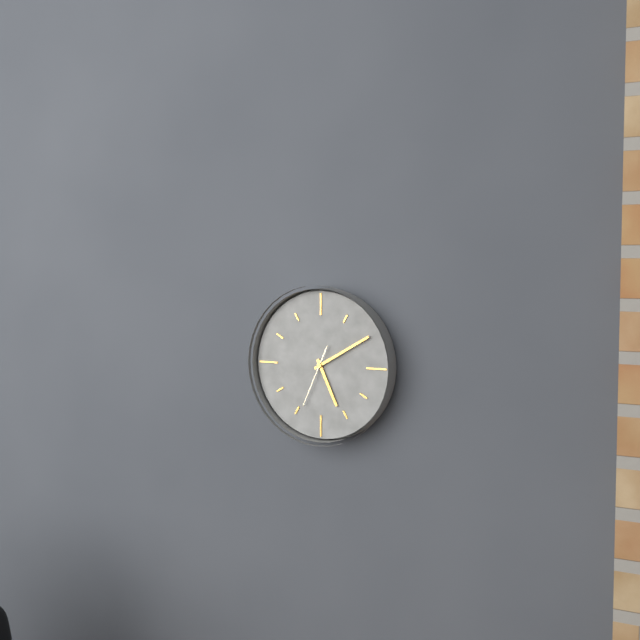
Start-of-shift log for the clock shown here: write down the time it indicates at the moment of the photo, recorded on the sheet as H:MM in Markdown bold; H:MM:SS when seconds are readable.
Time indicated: **5:10:34**
